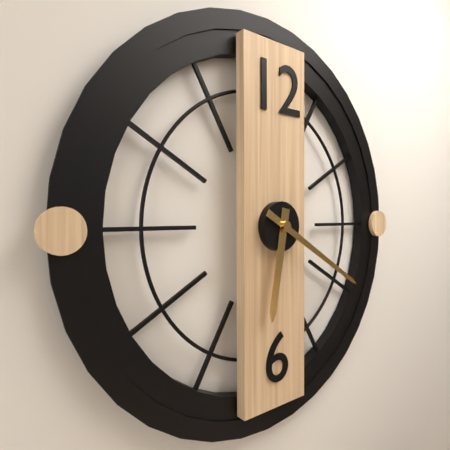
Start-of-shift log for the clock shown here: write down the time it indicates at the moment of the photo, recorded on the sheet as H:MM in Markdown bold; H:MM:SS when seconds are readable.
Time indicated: **6:20**
